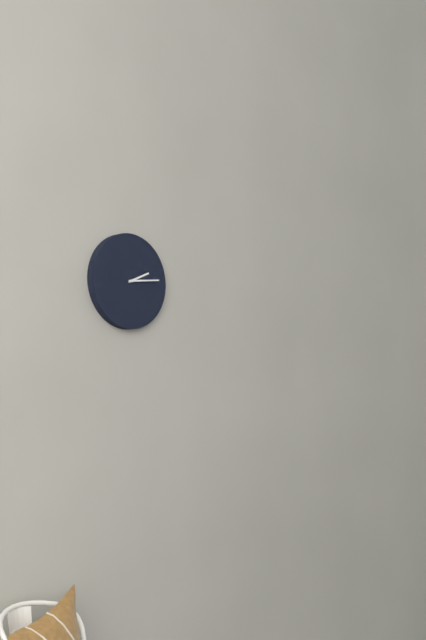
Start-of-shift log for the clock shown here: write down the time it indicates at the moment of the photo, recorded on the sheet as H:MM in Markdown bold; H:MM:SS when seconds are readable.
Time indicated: **2:14**
